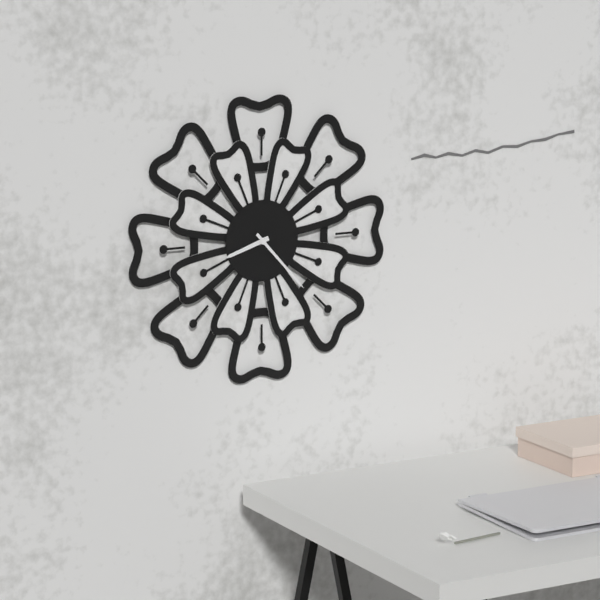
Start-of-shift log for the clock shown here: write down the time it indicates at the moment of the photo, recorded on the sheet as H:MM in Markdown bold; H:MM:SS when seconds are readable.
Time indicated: **8:23**
